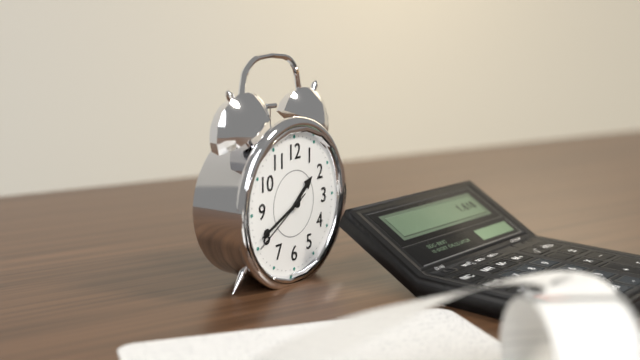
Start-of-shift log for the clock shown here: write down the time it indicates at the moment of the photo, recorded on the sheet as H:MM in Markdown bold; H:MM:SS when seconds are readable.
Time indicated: **1:41:40**
